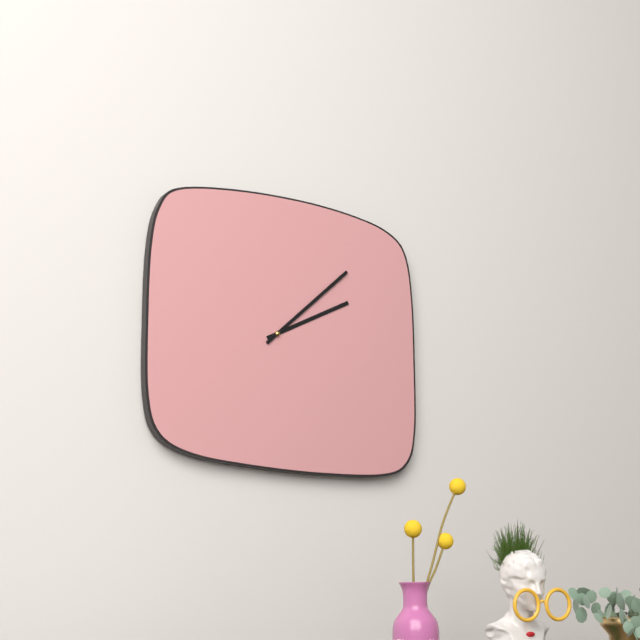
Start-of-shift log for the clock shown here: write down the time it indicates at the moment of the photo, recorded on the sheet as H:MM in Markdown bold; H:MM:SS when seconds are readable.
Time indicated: **2:08**
